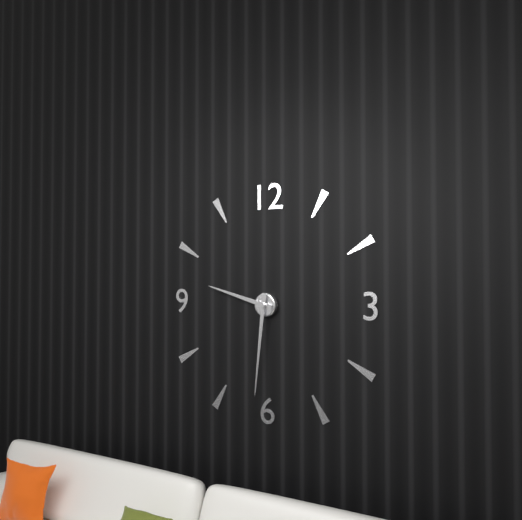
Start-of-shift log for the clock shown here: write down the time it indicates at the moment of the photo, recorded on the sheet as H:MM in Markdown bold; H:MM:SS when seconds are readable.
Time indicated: **9:31**
